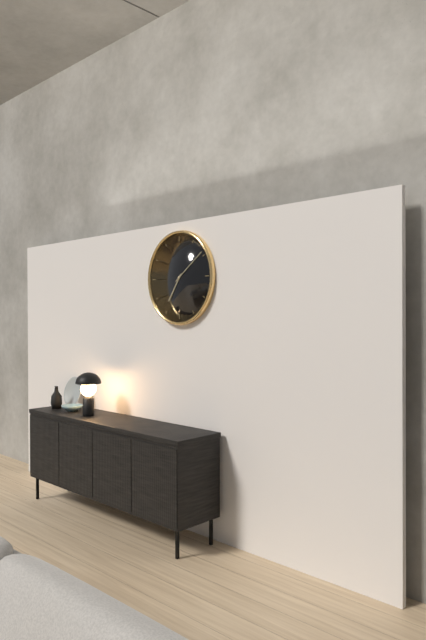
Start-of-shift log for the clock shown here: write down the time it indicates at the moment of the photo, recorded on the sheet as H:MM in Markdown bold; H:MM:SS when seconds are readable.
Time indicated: **7:09**
